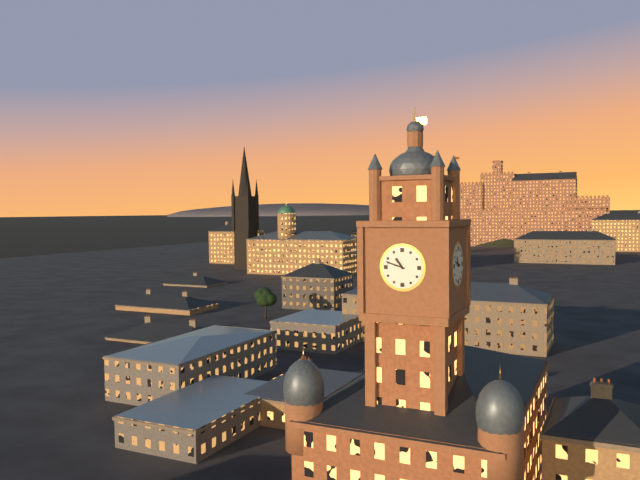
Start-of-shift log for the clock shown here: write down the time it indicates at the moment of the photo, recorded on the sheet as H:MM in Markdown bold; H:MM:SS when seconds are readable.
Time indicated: **10:48**
